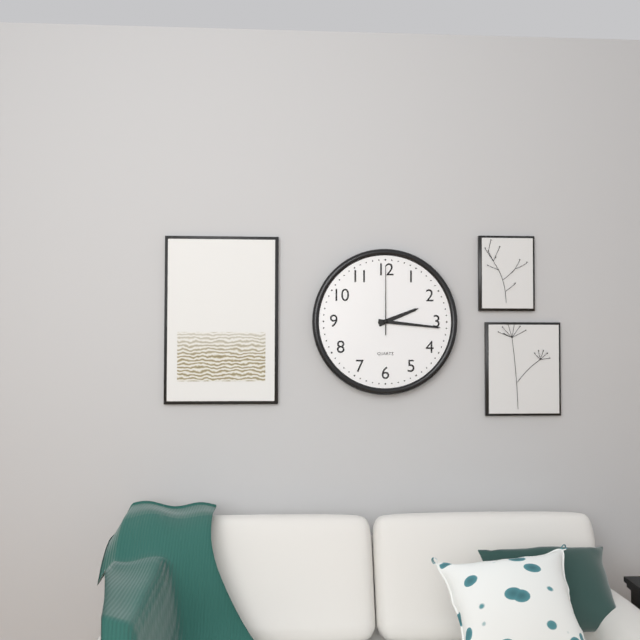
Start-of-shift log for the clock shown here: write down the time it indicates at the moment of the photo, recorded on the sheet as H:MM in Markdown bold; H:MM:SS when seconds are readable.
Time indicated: **2:16:00**
